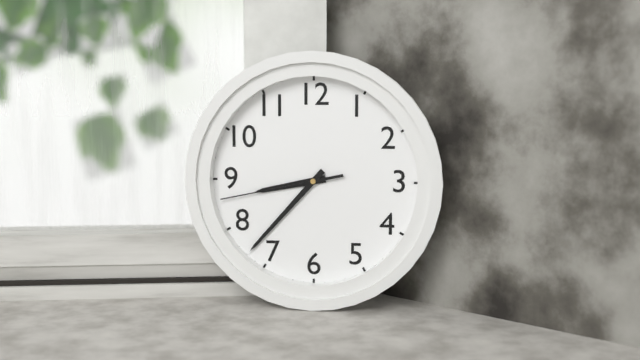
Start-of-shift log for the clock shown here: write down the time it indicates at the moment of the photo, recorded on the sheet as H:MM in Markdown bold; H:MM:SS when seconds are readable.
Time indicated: **8:37:43**
